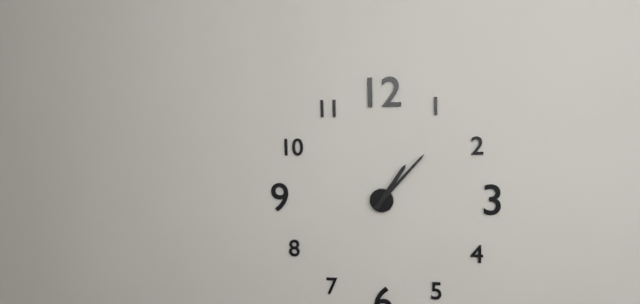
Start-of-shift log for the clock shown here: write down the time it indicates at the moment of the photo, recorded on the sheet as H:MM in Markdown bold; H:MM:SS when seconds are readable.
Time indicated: **1:07**
